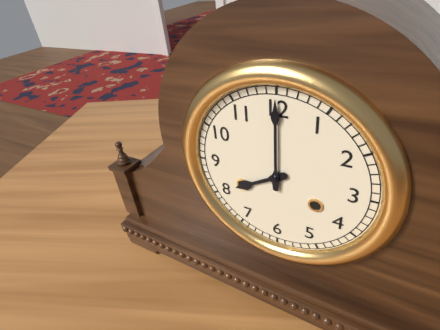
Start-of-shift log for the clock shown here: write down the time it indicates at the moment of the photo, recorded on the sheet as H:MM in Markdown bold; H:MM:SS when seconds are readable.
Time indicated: **8:00**
